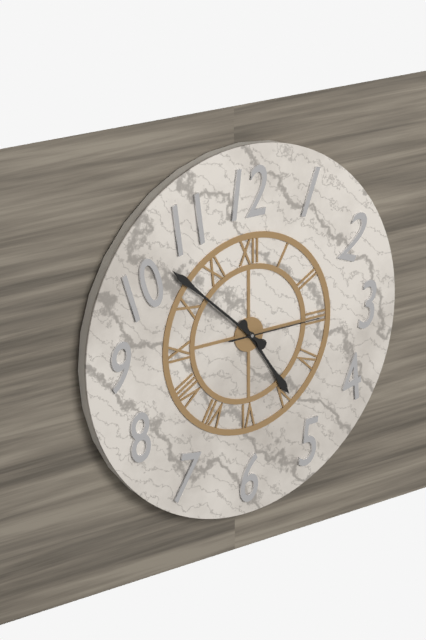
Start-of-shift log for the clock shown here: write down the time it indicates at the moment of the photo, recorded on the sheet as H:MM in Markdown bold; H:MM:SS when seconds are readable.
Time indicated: **4:52:15**
